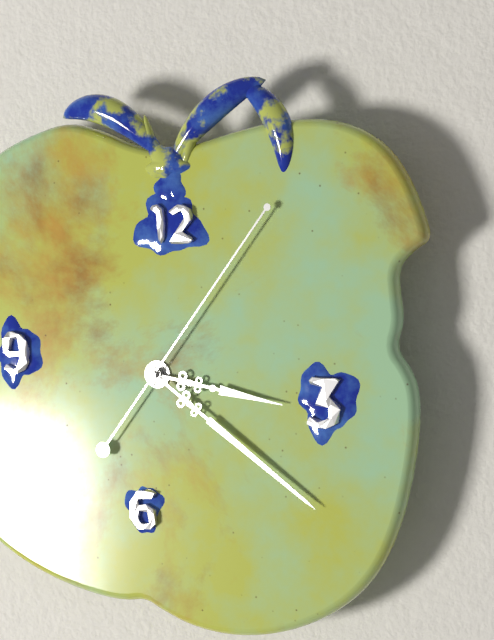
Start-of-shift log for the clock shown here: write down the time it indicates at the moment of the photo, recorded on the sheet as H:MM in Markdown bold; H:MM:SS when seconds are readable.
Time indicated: **3:21:06**
